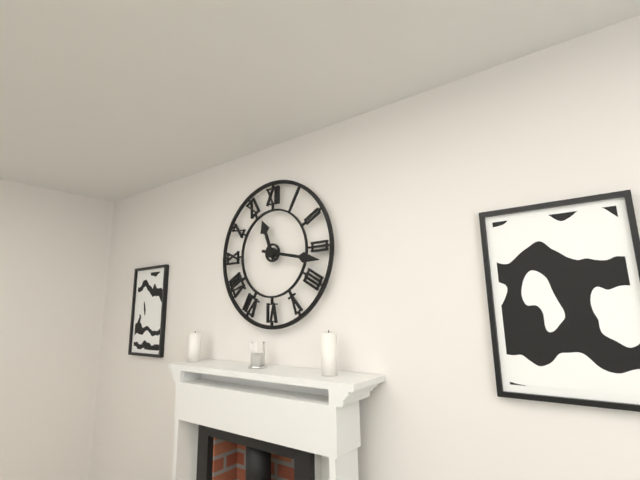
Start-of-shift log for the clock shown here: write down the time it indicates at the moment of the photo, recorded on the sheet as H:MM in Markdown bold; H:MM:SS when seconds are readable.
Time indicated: **11:17**
